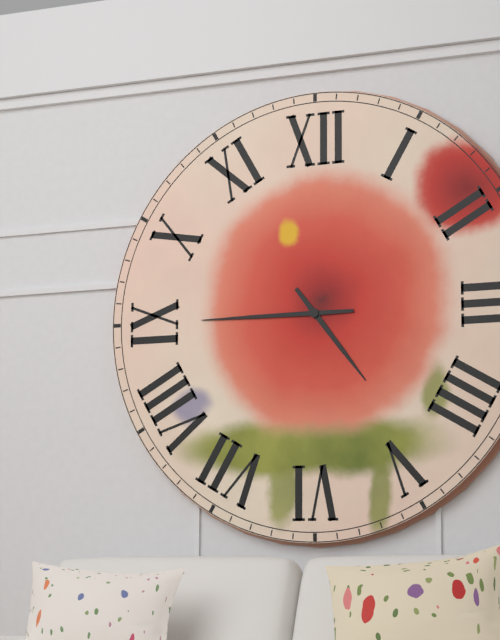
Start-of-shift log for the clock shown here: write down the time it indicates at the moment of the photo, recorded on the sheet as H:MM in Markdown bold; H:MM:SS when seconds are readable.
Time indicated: **4:45**
